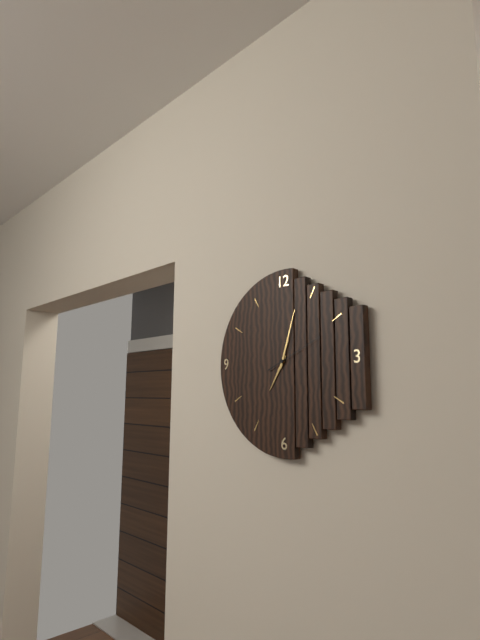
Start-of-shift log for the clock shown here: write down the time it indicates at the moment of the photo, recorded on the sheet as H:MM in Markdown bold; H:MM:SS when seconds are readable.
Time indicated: **7:03:11**
